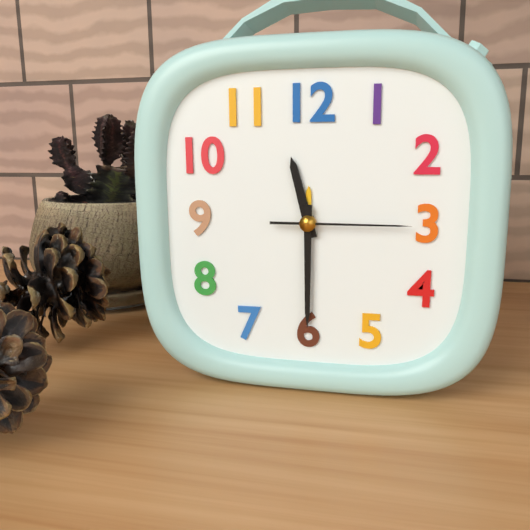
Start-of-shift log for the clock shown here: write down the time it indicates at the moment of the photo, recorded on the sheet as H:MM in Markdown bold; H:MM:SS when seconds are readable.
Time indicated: **11:30:15**
